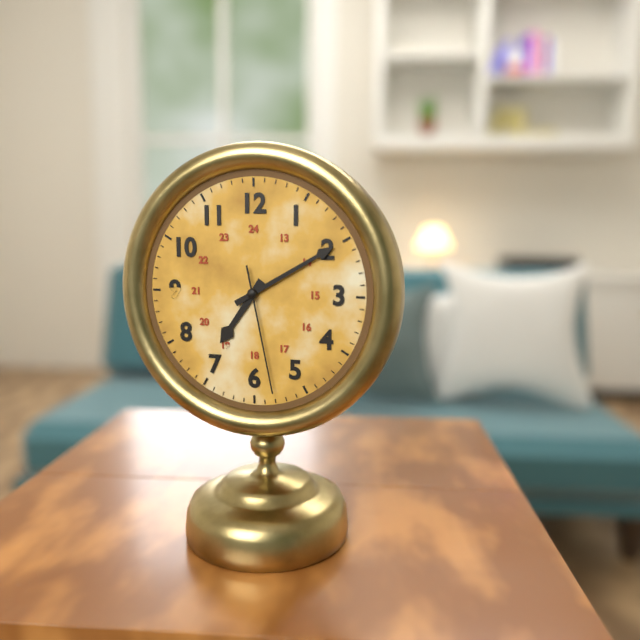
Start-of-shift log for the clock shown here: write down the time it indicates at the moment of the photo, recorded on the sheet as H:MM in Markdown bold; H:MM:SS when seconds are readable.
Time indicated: **7:10:28**
